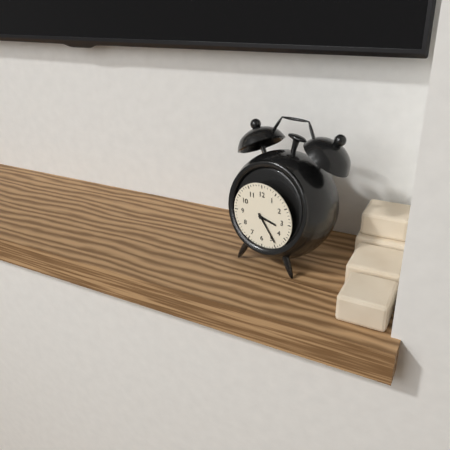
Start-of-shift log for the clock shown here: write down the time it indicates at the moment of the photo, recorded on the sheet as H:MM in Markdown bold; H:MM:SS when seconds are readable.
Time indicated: **3:24**
